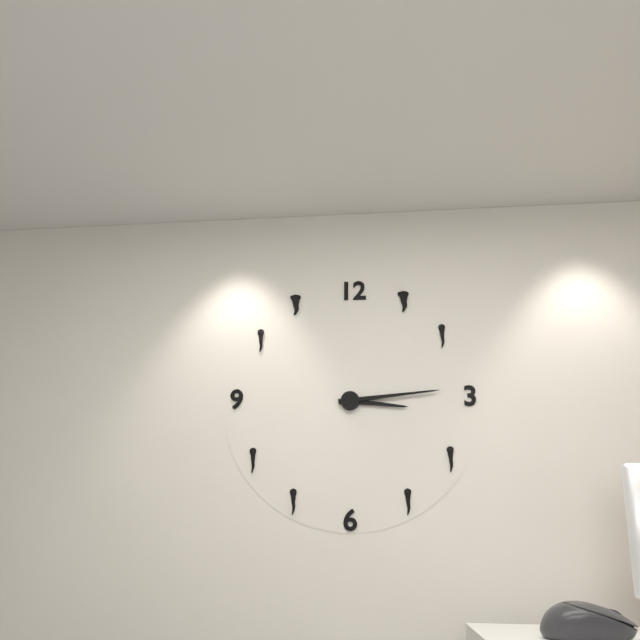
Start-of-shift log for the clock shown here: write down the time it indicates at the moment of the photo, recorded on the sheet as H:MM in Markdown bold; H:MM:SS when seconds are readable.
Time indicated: **3:14**
